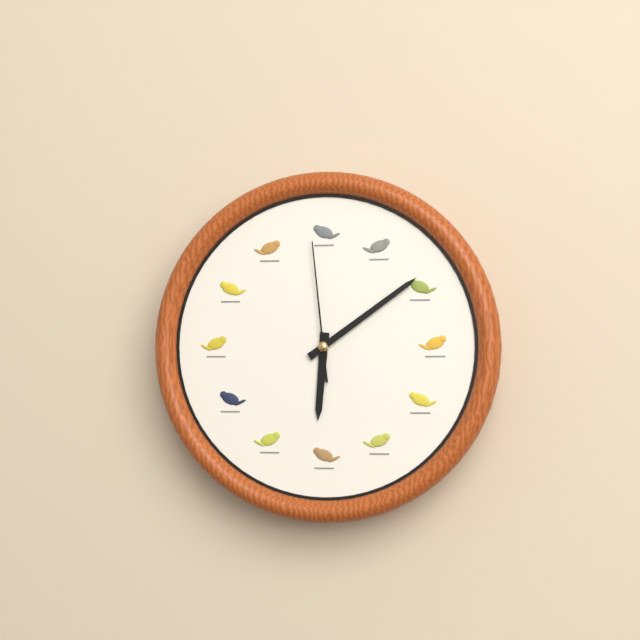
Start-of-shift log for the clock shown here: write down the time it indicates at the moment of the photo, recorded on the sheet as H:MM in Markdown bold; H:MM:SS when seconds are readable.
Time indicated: **6:09:59**
